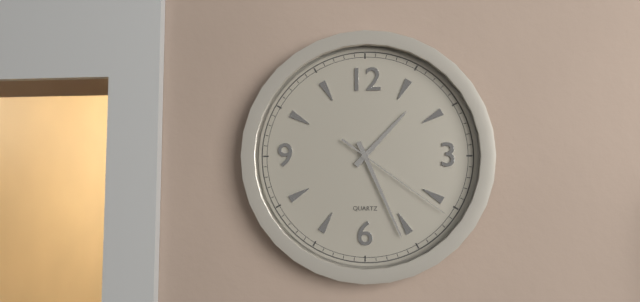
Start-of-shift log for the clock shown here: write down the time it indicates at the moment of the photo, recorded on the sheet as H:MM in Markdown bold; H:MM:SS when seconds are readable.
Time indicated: **1:26:21**
